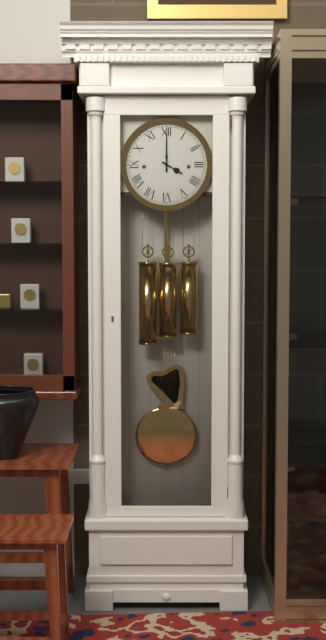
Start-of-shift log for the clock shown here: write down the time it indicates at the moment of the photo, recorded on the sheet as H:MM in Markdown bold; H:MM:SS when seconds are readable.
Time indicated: **4:00**
